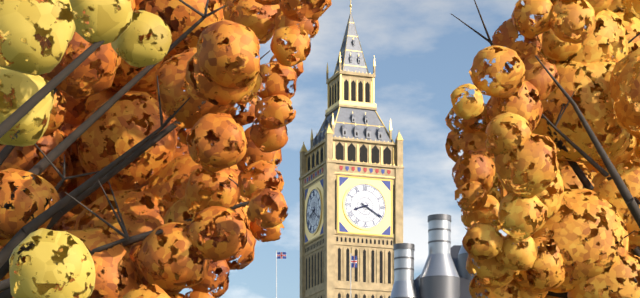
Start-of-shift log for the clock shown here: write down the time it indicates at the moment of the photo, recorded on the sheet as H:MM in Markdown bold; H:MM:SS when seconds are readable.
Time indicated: **8:20**
